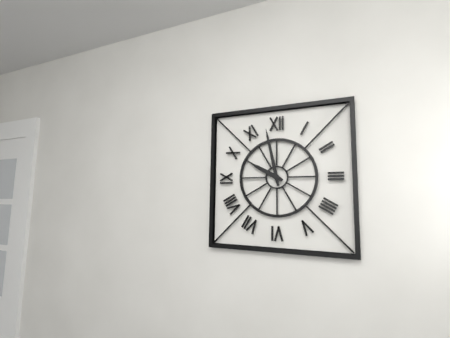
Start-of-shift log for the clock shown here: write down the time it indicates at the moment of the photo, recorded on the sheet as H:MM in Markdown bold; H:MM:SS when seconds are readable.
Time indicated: **9:58**
